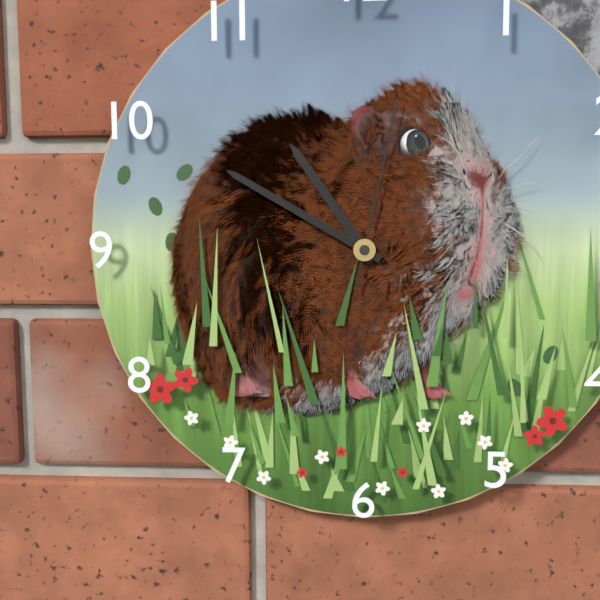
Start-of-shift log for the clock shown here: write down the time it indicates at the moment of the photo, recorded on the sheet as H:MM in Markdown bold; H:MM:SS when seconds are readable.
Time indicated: **10:50:02**
